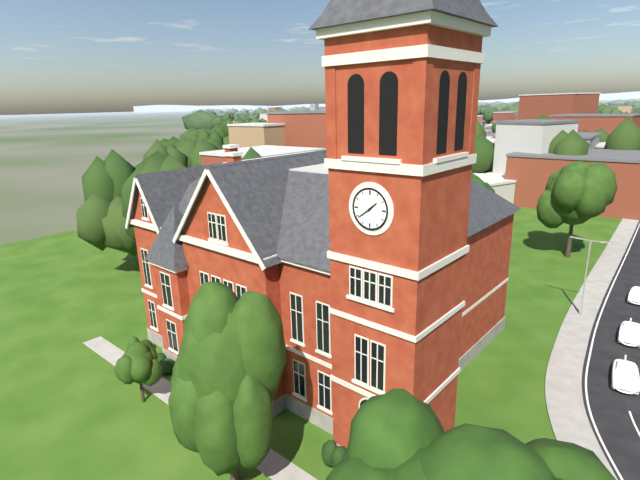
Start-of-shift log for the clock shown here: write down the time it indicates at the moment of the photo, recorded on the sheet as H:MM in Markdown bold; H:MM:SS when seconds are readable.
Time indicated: **1:39**
